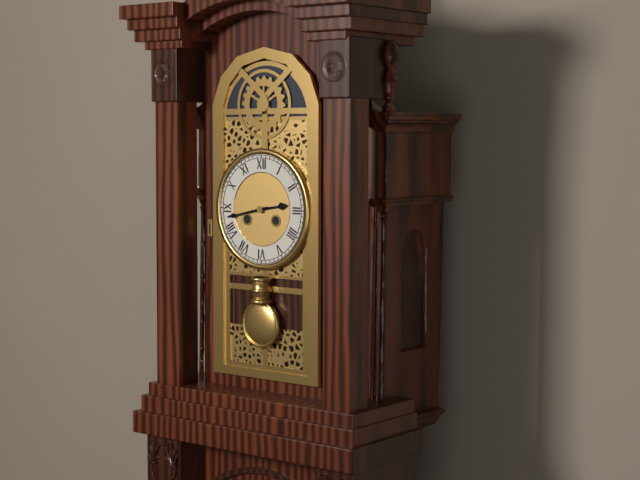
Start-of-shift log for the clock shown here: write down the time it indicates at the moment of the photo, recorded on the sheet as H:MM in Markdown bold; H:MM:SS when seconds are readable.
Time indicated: **2:43**
